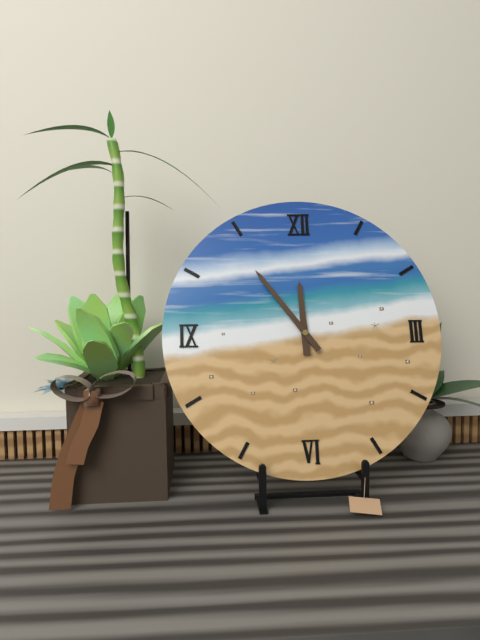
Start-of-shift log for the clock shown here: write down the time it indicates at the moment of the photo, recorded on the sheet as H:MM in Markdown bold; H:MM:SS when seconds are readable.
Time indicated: **11:54**
